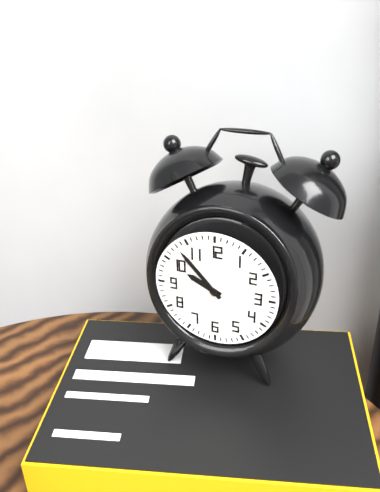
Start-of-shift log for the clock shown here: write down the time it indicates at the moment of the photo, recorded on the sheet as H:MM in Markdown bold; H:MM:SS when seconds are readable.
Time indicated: **9:53**
